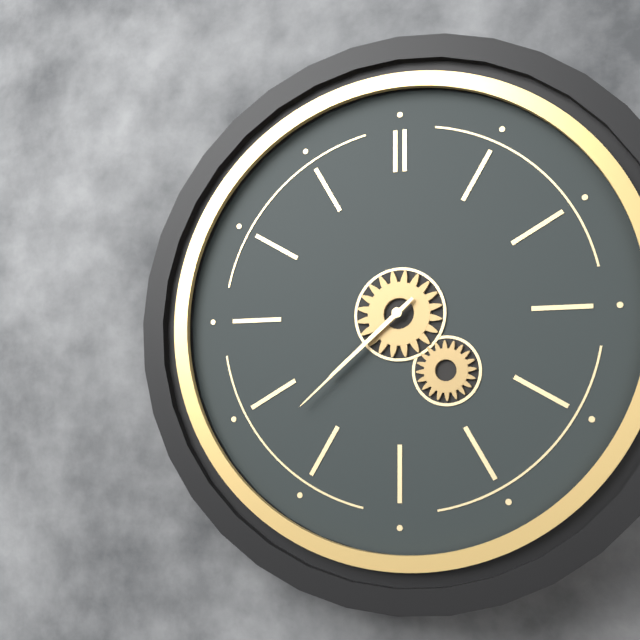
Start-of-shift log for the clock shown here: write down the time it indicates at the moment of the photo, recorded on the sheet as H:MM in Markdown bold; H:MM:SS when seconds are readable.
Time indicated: **7:38**
